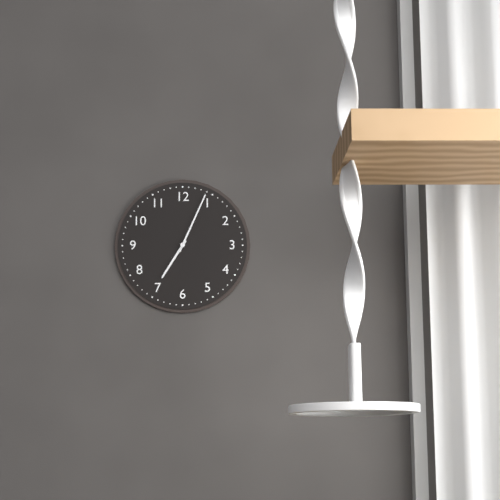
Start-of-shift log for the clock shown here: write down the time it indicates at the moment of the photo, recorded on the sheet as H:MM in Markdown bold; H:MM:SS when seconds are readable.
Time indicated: **7:04**
